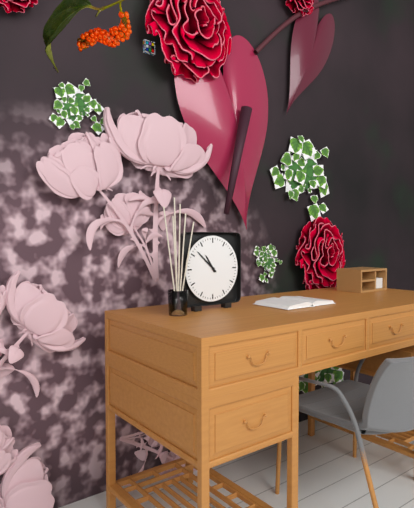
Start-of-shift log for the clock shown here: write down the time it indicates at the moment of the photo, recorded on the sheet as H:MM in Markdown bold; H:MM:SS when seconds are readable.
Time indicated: **10:52**
